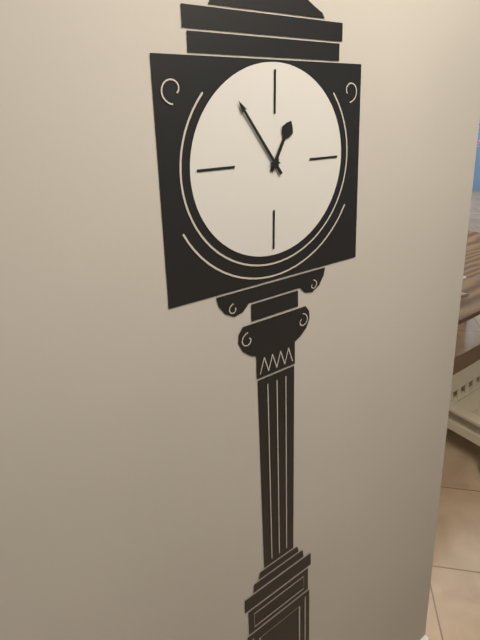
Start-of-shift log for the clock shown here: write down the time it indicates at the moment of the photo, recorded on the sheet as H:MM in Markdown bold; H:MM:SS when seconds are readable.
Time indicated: **12:54**
